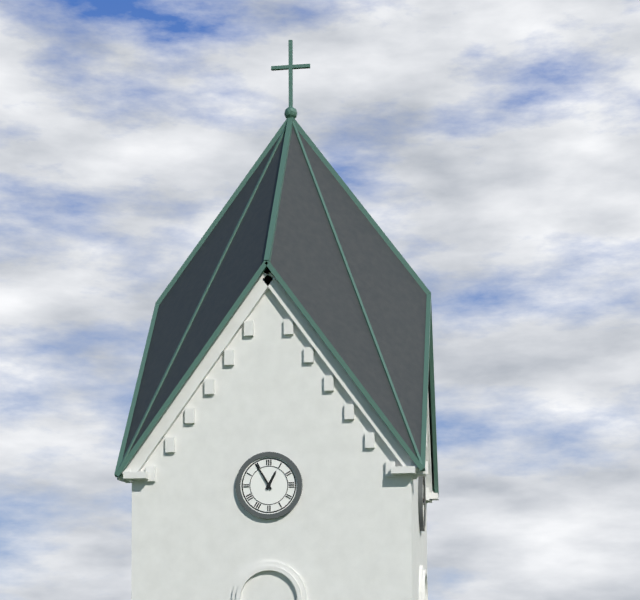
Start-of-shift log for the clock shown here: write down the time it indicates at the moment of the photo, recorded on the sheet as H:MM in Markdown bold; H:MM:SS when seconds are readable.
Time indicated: **12:55**
